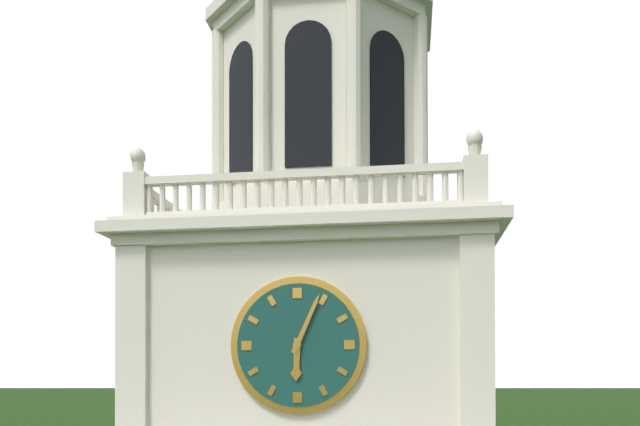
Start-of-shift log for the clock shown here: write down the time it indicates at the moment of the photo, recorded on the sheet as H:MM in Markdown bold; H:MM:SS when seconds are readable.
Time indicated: **6:04**
